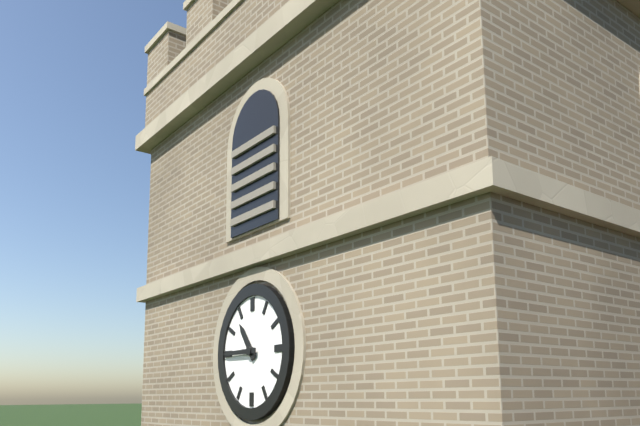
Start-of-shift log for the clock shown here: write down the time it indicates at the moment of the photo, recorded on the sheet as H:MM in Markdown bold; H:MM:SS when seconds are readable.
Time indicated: **10:45**
